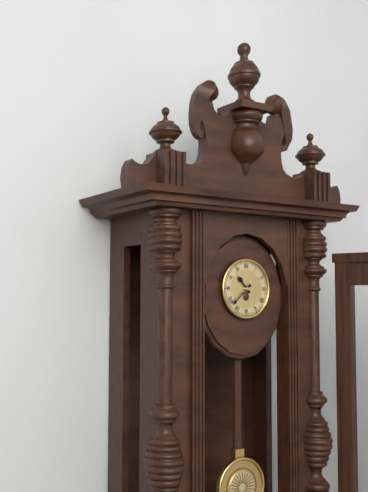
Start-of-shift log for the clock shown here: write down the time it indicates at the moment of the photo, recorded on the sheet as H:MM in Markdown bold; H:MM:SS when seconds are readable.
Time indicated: **10:38**
